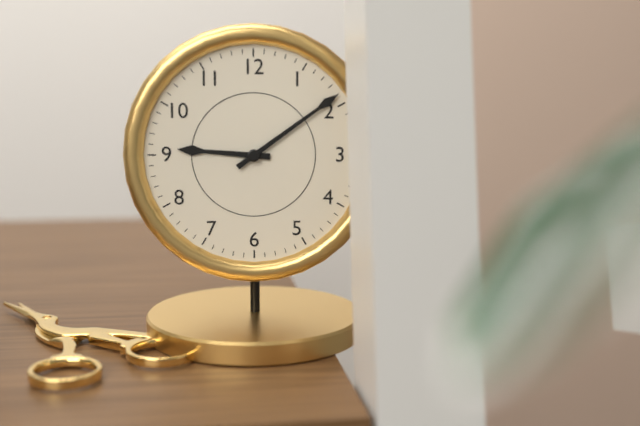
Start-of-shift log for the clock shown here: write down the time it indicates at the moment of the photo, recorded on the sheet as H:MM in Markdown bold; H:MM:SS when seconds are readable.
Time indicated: **9:09**
